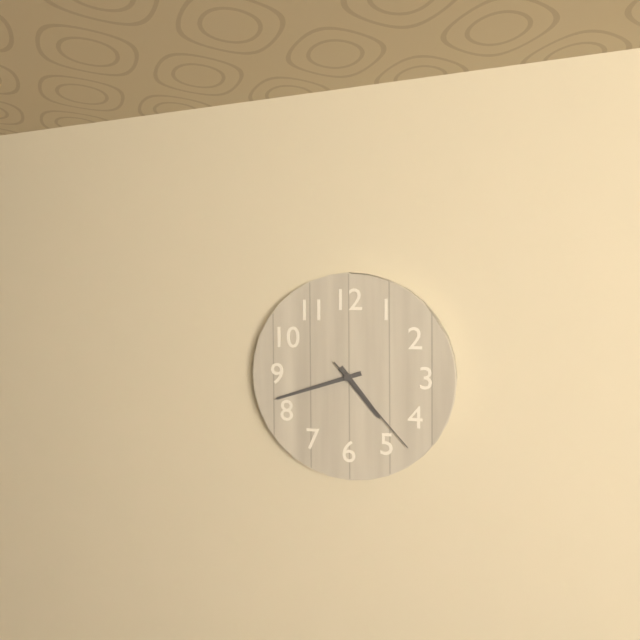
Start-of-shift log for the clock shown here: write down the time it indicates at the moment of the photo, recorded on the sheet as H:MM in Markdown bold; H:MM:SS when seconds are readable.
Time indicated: **4:42:23**
